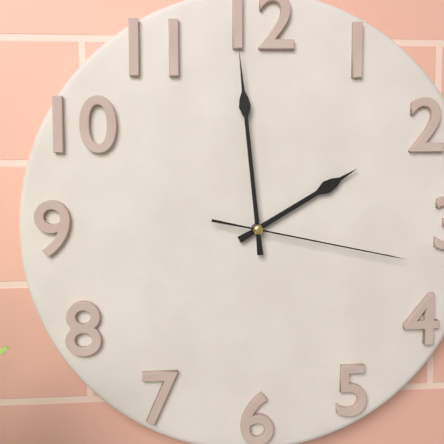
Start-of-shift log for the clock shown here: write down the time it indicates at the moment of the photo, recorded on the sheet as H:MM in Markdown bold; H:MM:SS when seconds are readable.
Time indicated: **1:59:17**
